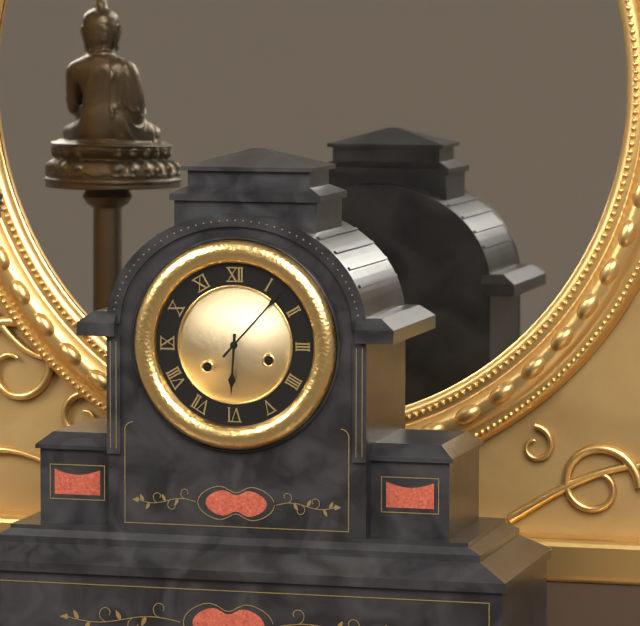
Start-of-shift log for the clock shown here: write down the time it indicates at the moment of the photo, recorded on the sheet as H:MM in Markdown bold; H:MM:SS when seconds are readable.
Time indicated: **6:07**
